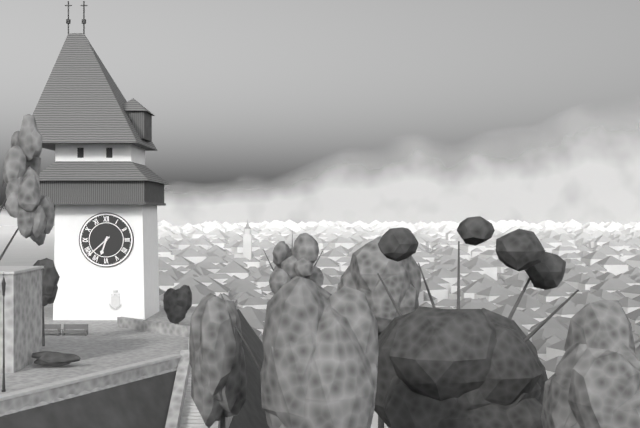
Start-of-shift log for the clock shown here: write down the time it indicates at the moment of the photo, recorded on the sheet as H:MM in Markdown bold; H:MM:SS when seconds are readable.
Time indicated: **6:38**
